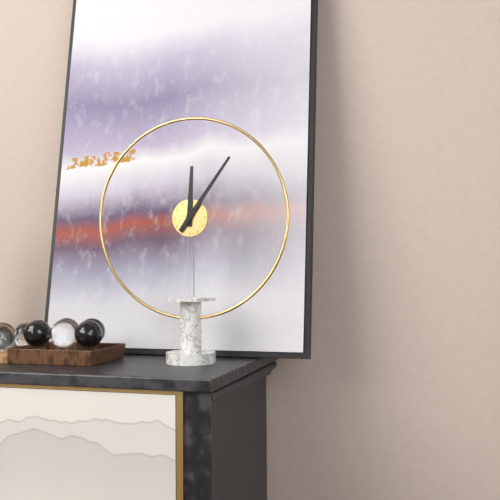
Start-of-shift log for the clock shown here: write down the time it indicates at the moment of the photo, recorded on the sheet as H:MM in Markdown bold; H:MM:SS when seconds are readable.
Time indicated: **12:06**
